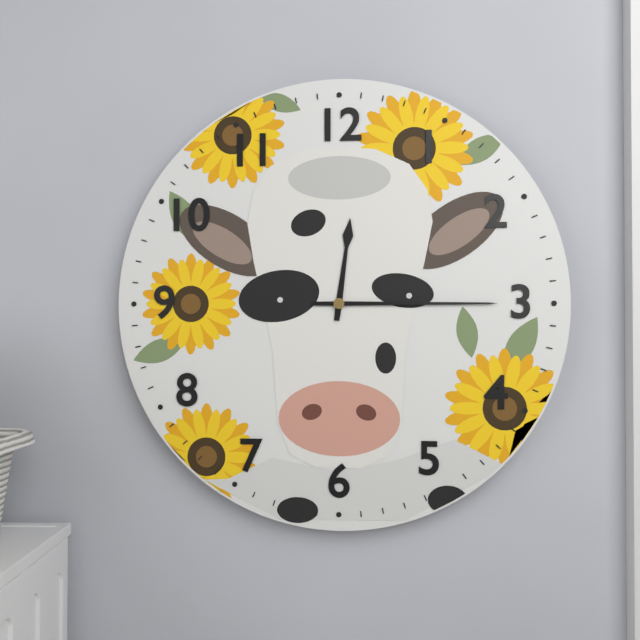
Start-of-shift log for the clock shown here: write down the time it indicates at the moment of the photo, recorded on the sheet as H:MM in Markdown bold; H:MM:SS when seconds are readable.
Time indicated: **12:15**
